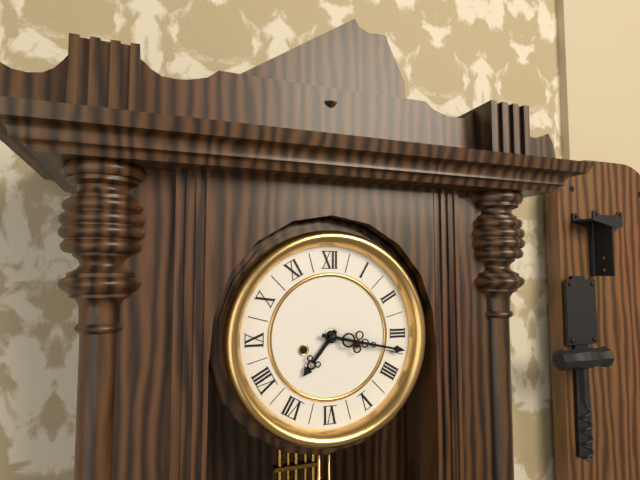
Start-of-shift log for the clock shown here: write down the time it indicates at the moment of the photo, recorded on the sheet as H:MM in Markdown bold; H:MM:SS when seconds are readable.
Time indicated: **7:17**
